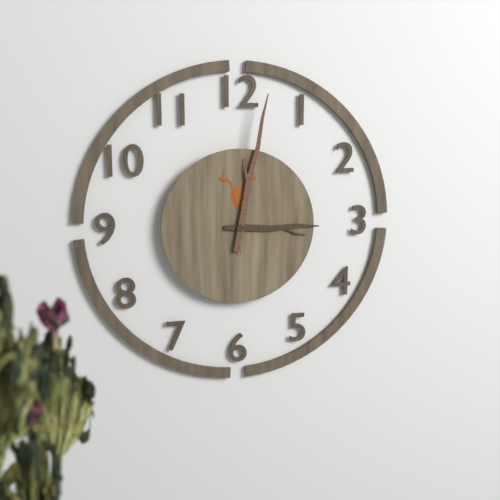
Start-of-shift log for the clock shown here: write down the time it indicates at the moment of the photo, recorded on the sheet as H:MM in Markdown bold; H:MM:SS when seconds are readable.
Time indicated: **3:02**
